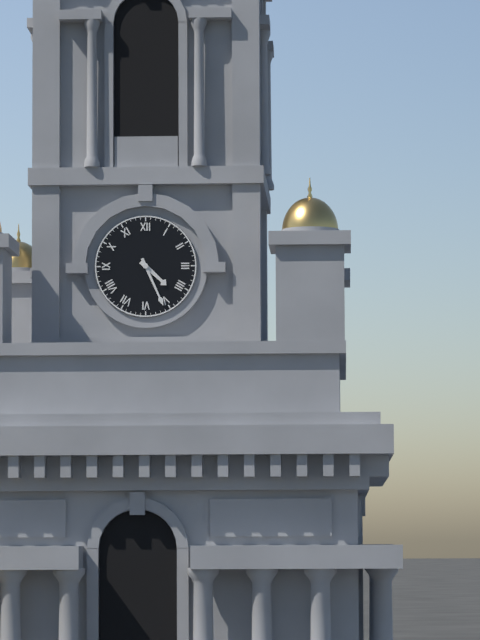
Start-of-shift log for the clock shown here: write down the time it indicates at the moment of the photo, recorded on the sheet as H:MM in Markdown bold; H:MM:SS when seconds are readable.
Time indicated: **4:26**
